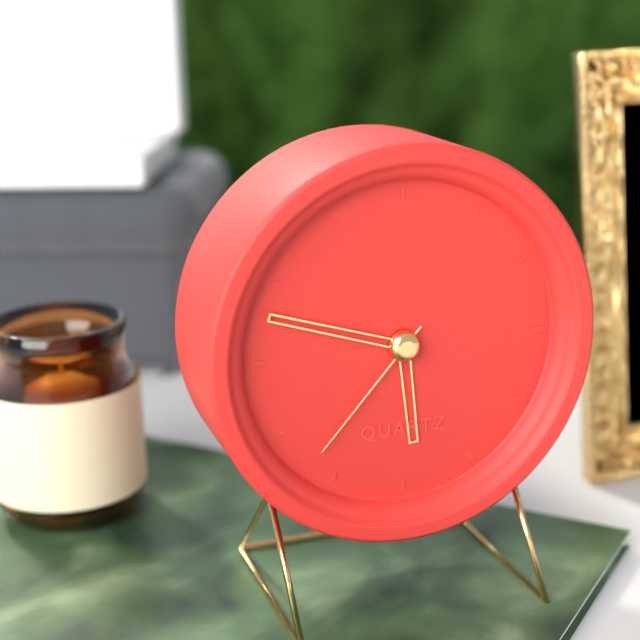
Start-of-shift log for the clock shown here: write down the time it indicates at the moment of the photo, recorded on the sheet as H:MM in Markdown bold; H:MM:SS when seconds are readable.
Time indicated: **5:48:37**
